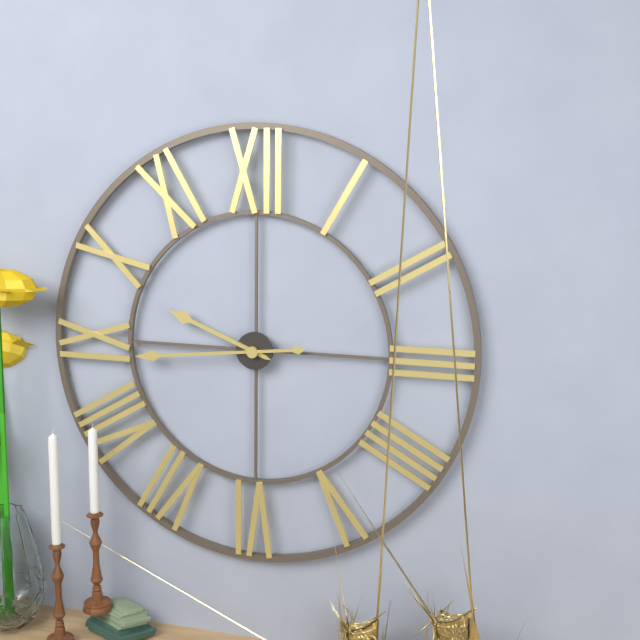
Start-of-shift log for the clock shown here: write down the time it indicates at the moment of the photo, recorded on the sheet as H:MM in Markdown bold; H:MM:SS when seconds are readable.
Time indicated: **9:44**
